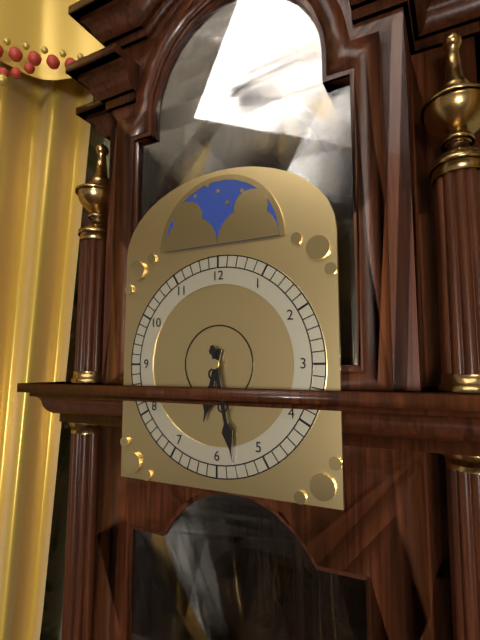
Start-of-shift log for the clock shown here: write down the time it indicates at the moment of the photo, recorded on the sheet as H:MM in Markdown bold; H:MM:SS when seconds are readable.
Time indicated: **6:28**
